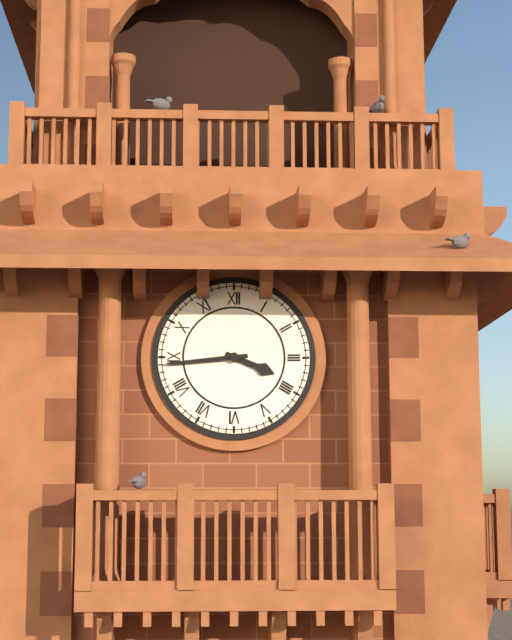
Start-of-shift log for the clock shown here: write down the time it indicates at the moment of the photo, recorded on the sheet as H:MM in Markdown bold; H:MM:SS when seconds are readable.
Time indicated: **3:44**
